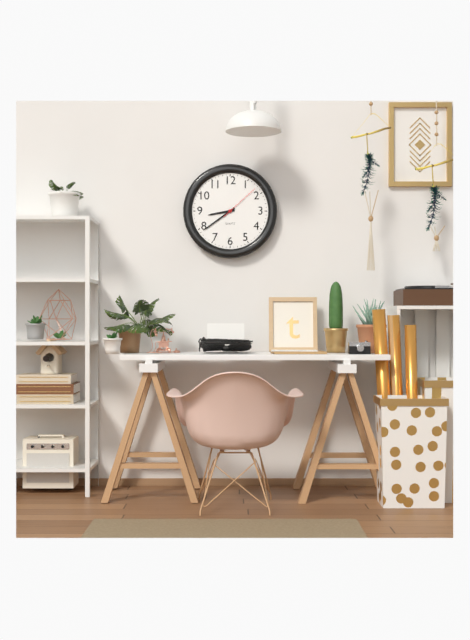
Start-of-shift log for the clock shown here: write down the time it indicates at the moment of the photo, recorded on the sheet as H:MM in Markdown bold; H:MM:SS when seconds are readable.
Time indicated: **8:39**
